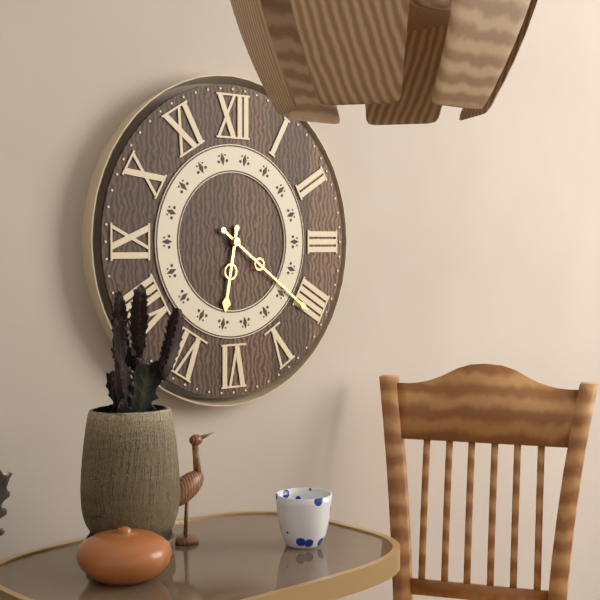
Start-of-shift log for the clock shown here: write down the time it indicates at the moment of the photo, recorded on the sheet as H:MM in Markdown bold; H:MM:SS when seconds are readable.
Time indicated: **6:21**
